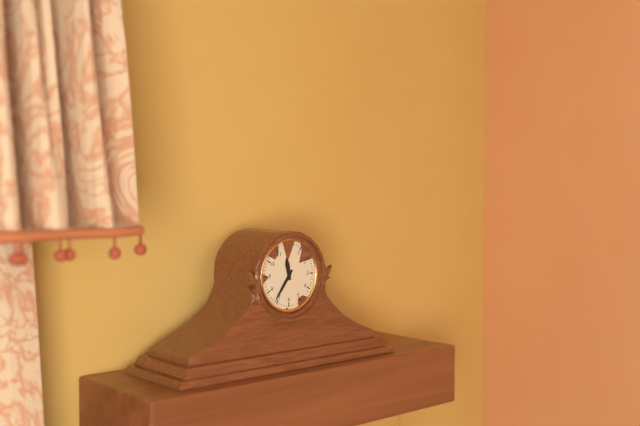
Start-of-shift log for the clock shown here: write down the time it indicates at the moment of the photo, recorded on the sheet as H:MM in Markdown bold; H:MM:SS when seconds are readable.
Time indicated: **11:36**
